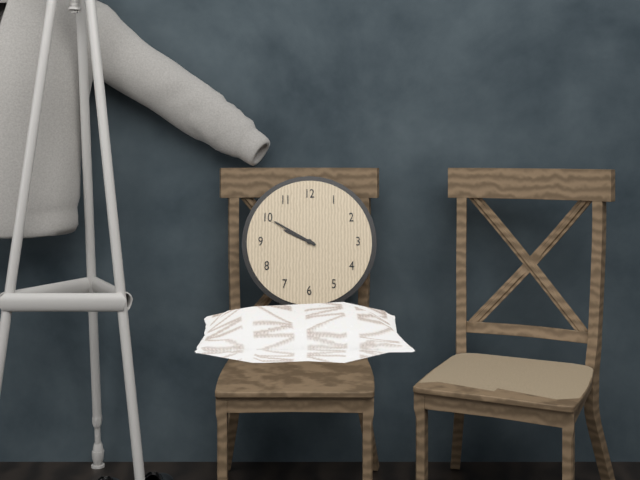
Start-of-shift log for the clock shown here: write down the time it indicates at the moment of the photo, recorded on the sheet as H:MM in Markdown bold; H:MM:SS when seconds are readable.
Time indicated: **9:50**
